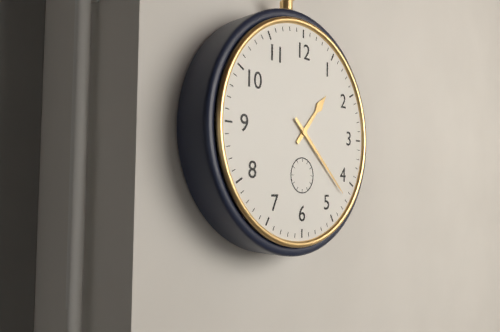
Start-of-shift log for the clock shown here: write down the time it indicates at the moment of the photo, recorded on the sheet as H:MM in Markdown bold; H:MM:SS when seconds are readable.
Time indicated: **1:22**
